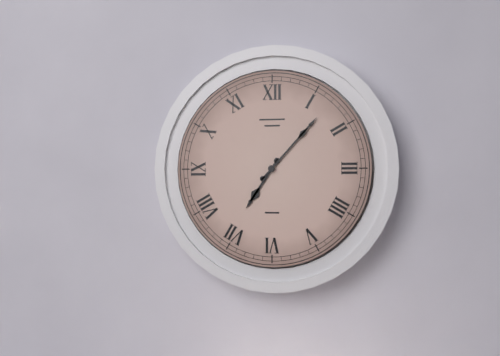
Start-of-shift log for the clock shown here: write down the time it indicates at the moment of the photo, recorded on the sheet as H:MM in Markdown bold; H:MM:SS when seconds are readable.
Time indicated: **7:07**
